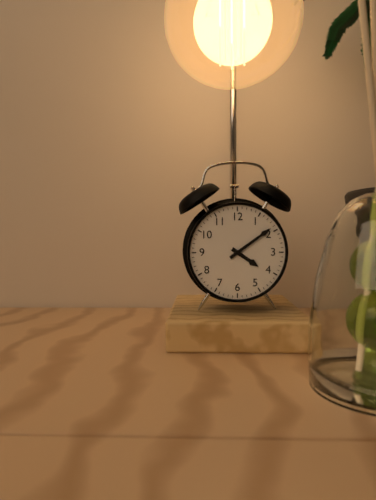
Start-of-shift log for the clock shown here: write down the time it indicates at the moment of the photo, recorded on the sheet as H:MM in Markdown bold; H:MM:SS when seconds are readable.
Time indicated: **4:09**
